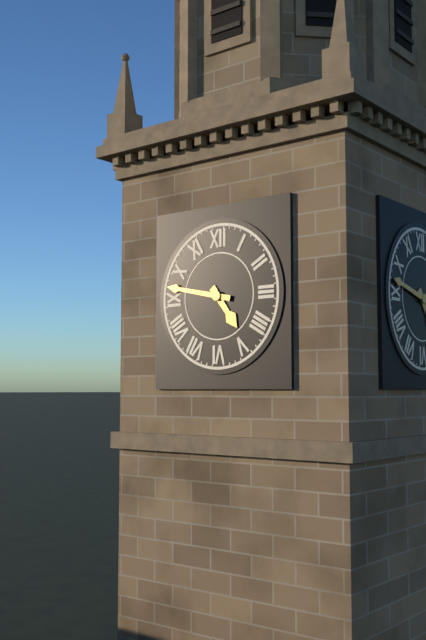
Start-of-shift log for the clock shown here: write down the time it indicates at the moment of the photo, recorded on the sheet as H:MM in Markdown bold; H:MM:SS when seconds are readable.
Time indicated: **4:47**
